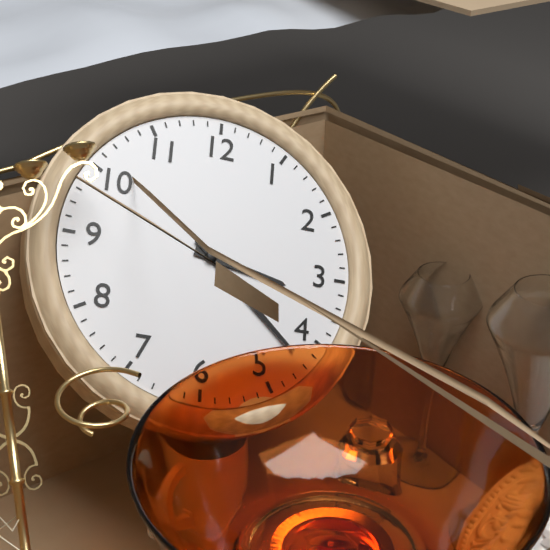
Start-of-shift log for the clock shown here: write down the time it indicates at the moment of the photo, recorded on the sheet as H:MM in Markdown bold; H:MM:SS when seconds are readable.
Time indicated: **3:22**
